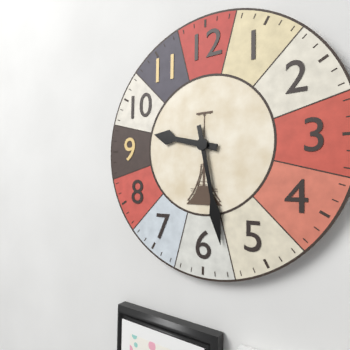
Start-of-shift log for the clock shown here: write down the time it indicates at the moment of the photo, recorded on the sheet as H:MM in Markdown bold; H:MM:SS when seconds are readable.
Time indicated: **9:28**
